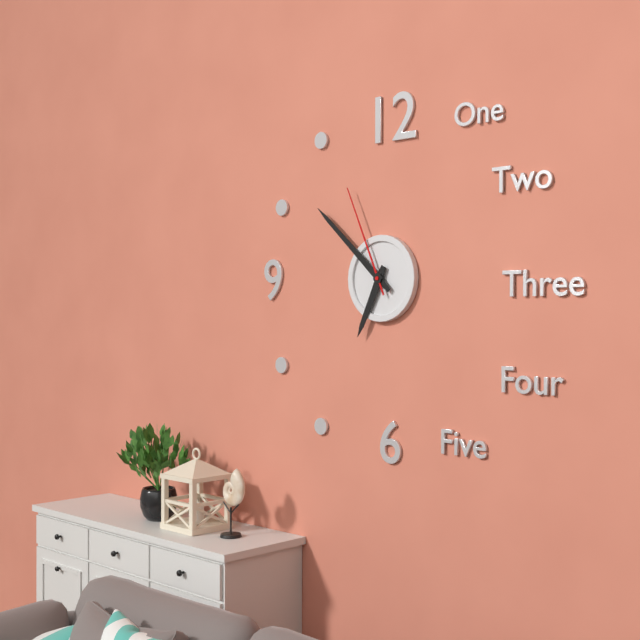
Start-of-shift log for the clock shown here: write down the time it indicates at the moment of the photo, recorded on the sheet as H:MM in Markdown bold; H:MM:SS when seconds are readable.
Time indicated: **6:52:56**
